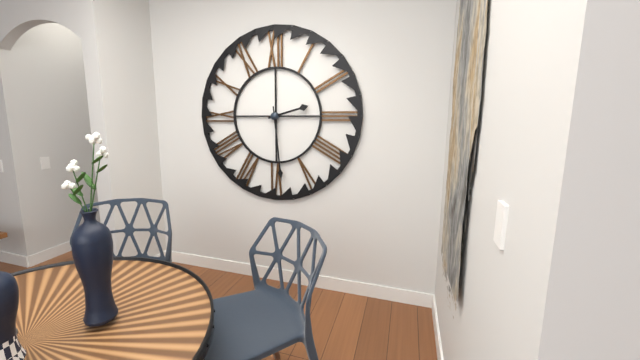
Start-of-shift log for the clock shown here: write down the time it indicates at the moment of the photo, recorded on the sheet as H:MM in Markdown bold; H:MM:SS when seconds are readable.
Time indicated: **2:29**
